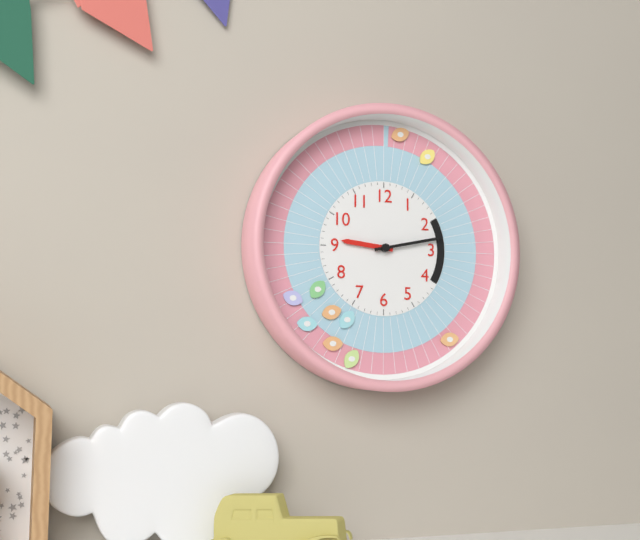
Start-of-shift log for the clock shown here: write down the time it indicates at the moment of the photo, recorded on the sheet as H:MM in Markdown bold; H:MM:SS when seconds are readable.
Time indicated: **9:13**
